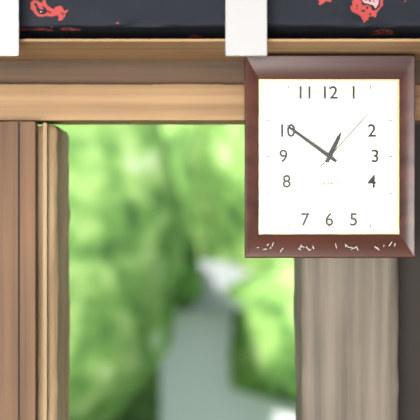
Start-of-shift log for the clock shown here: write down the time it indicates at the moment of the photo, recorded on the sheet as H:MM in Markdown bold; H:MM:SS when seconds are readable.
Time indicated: **12:51:07**
